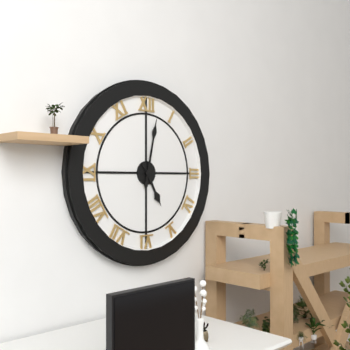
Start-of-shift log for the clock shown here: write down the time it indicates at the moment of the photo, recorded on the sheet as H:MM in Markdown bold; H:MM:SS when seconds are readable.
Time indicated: **5:02**
